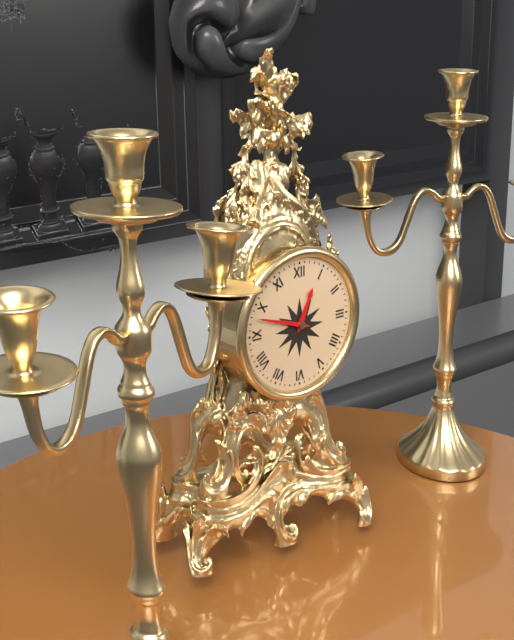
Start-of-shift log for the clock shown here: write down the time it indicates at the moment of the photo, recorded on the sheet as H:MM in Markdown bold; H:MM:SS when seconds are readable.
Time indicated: **12:48**
